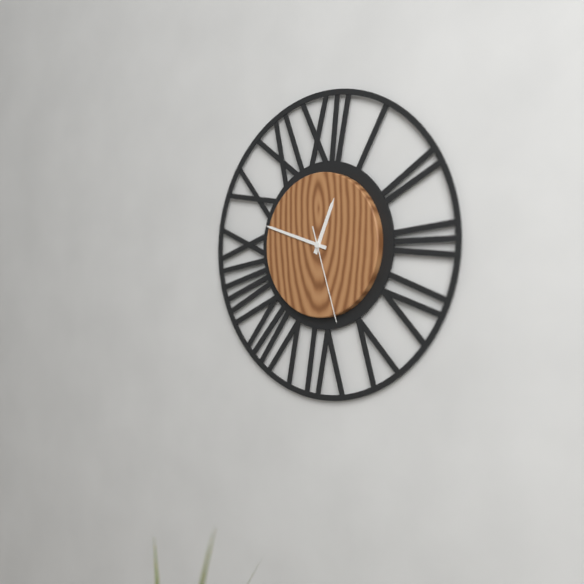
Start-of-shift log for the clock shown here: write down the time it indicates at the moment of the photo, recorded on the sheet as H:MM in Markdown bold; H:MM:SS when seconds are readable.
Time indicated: **12:48:27**
